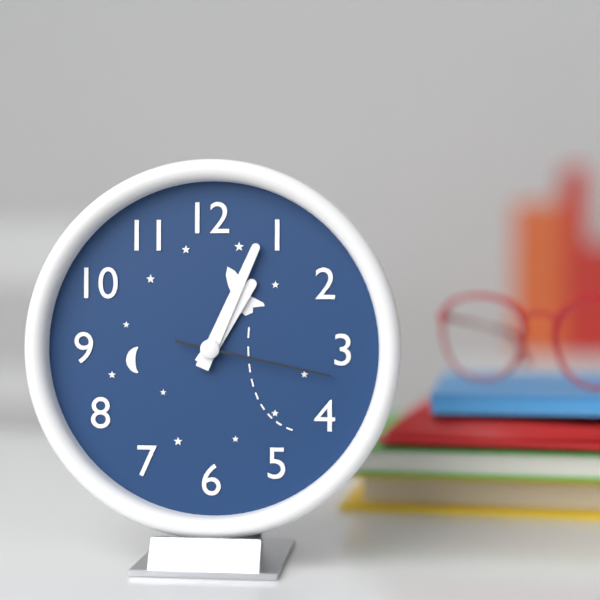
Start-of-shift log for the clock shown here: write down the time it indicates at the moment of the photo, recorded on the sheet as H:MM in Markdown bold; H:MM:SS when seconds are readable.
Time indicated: **1:04:17**
